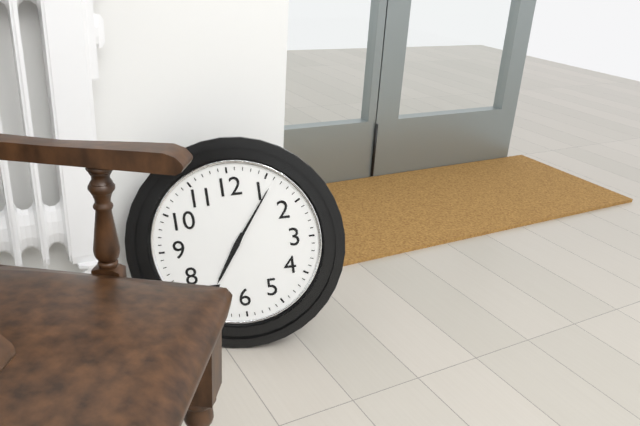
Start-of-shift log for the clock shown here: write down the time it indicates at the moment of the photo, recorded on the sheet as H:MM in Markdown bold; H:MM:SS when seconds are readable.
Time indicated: **7:06**
